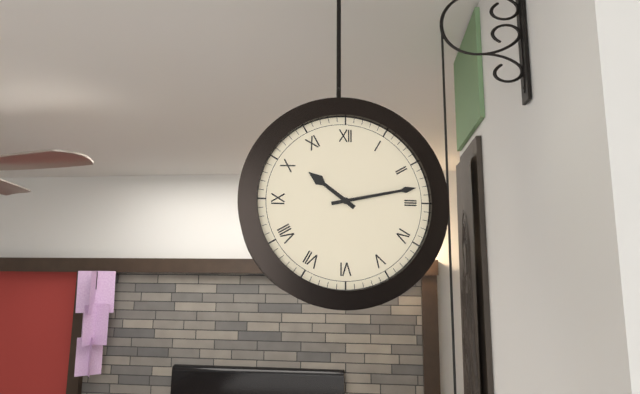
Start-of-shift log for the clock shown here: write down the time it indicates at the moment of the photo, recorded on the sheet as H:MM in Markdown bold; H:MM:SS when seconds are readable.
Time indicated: **10:13**
